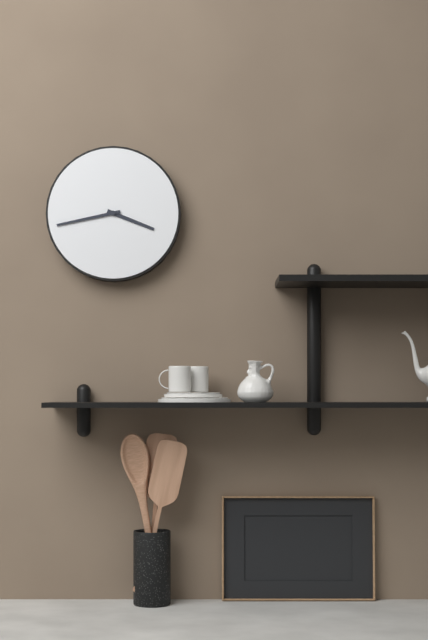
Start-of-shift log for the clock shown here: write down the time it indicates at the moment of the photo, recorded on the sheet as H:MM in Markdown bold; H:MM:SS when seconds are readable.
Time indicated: **3:43**
